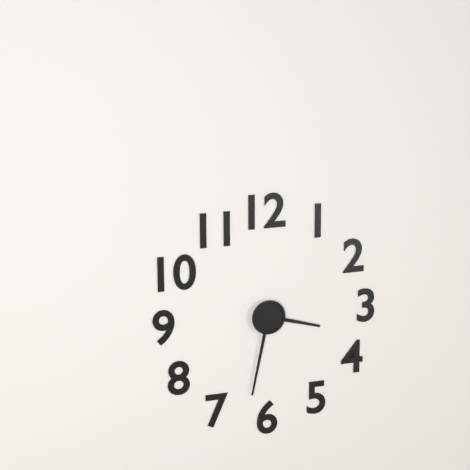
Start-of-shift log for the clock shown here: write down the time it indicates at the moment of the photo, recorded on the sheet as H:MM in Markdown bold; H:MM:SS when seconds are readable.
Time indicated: **3:32**
